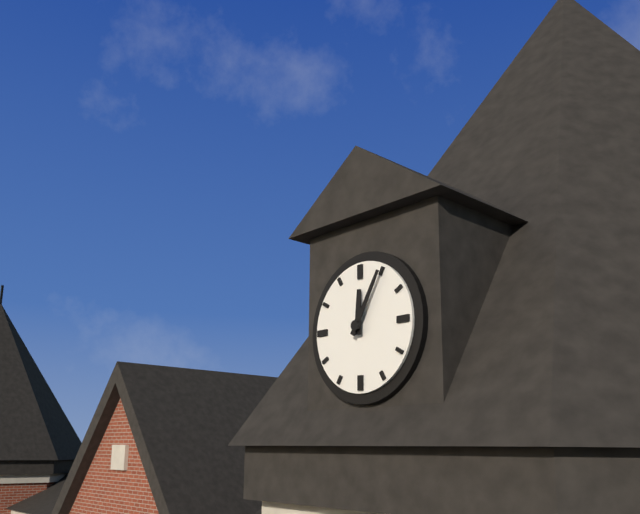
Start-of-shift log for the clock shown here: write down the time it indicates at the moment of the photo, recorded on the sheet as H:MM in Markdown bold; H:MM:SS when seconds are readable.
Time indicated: **12:05**
